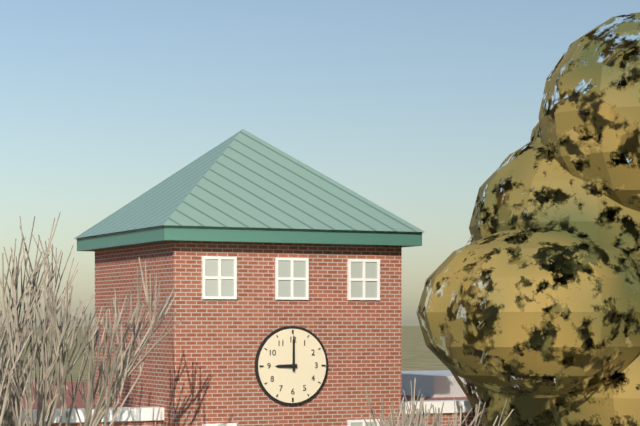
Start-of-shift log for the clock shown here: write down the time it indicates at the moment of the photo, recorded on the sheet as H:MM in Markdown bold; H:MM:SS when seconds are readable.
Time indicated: **9:00**
